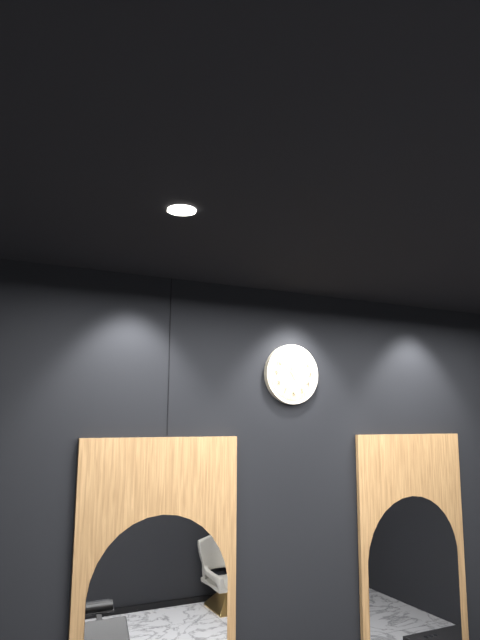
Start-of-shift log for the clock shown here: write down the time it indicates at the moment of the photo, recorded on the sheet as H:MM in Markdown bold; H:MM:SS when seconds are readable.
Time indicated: **4:58**
